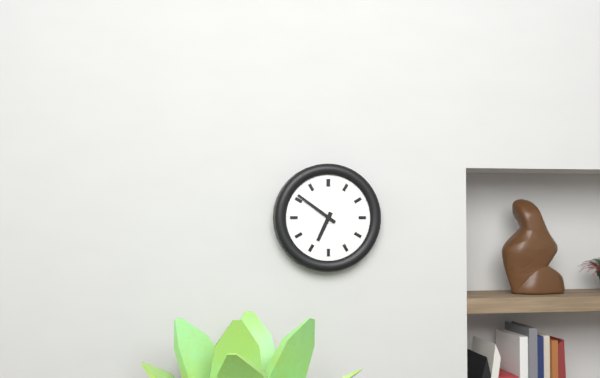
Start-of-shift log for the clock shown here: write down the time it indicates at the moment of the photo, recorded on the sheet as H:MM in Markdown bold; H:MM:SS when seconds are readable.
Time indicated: **6:51**
